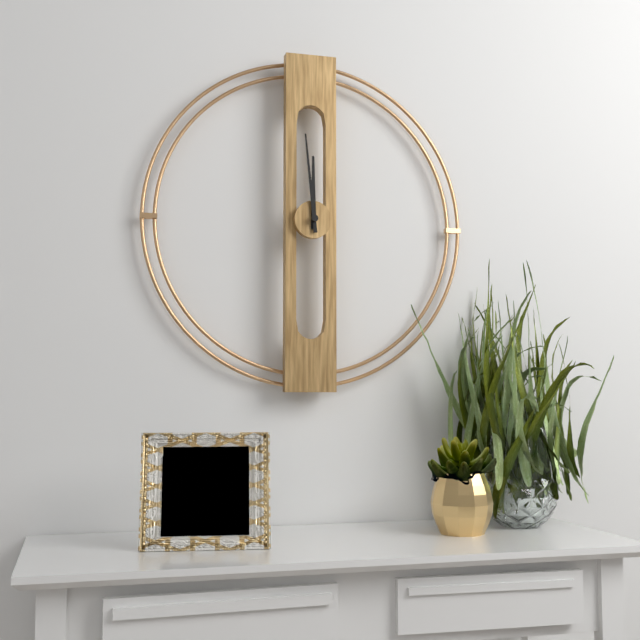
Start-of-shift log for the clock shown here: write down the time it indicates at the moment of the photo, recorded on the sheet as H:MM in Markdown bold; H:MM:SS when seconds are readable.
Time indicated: **11:59**
